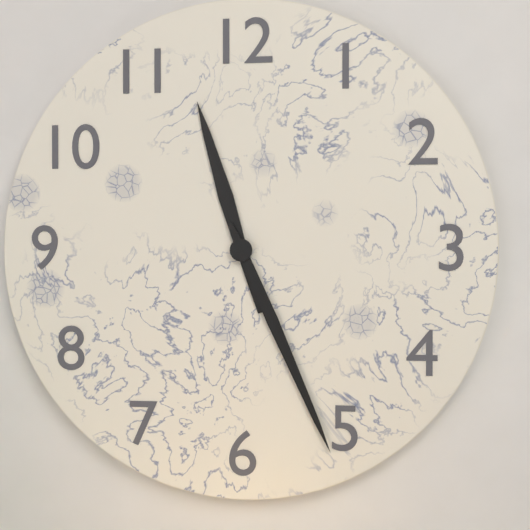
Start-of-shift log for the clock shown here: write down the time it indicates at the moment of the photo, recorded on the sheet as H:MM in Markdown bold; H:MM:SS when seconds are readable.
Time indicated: **11:26**
